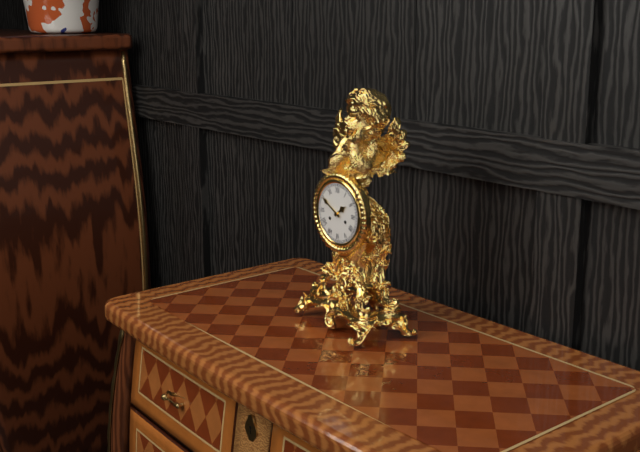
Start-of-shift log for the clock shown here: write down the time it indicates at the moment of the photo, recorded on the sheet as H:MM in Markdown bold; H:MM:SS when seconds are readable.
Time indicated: **1:50**
